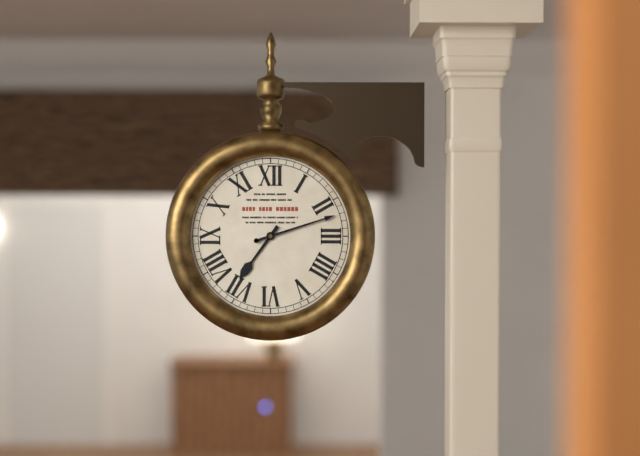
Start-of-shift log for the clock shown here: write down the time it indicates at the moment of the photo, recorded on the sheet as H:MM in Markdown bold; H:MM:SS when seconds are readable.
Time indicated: **7:12**
